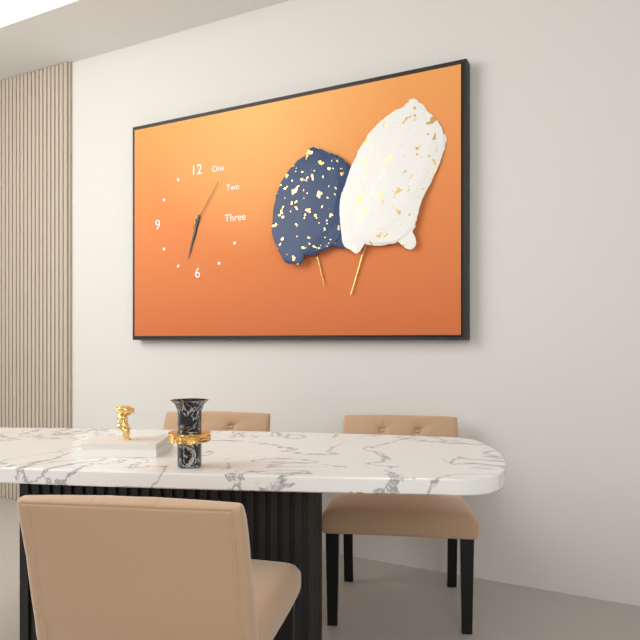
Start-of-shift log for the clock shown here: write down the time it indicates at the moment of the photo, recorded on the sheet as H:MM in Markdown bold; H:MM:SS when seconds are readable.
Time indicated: **6:33:06**
